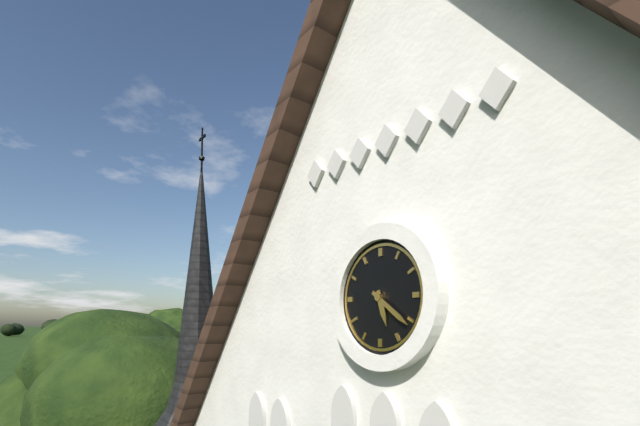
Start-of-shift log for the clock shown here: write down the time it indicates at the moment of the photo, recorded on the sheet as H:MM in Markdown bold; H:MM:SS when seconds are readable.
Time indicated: **5:21**
